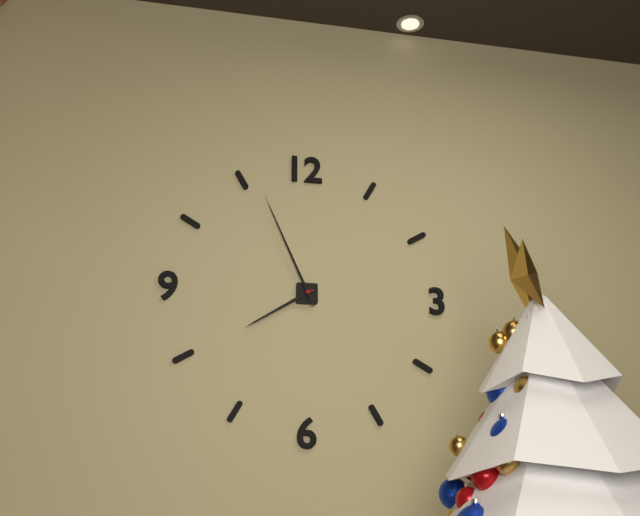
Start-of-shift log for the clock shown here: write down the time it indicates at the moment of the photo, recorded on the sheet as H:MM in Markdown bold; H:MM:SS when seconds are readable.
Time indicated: **7:56**
